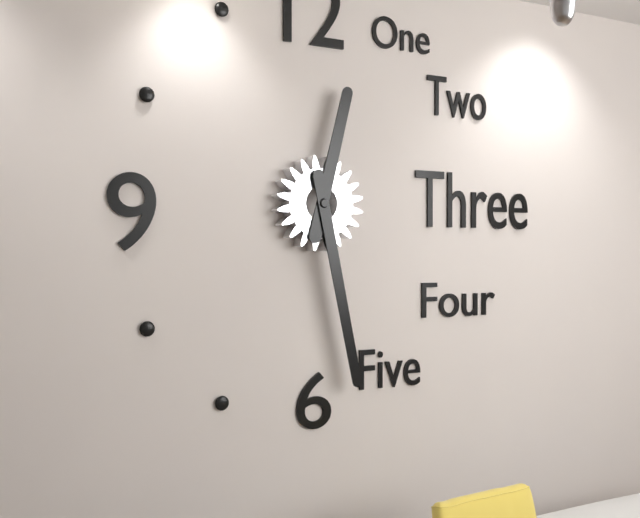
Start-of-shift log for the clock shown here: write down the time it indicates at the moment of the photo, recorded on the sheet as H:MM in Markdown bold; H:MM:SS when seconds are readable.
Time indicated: **12:28**
